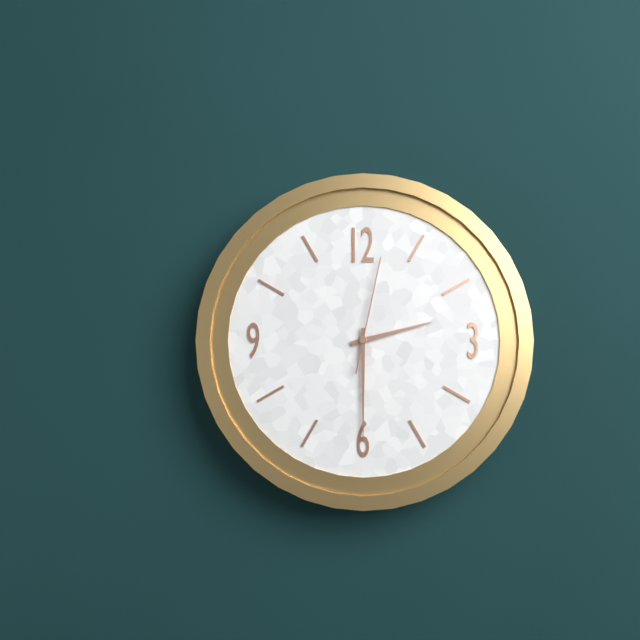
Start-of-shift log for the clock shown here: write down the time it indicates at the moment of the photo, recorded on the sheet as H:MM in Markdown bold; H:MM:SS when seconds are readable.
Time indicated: **2:30:02**
